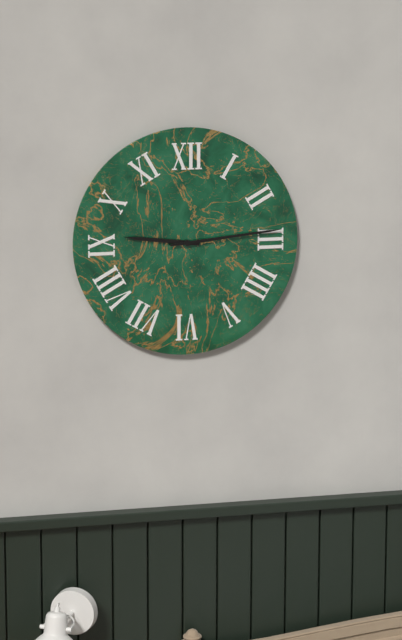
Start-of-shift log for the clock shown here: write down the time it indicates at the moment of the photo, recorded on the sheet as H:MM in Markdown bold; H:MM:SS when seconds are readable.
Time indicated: **9:14**
